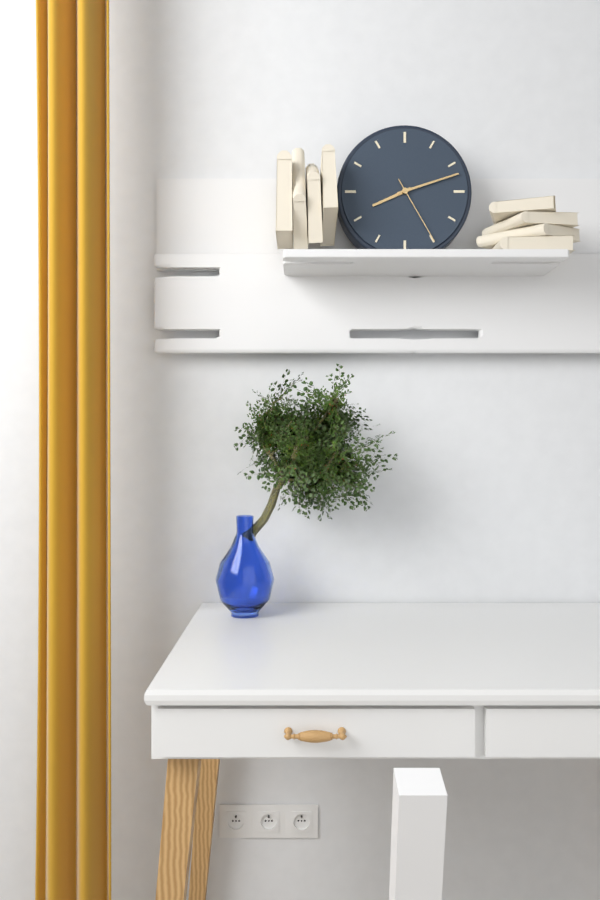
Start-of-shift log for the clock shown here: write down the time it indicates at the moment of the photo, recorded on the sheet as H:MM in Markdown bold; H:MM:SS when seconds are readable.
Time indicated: **8:12:25**
